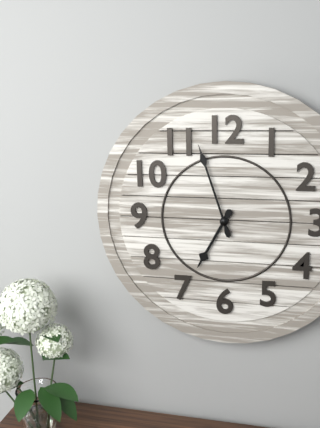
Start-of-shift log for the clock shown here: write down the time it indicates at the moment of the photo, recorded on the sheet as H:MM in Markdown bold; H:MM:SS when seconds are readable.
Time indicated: **6:57**
